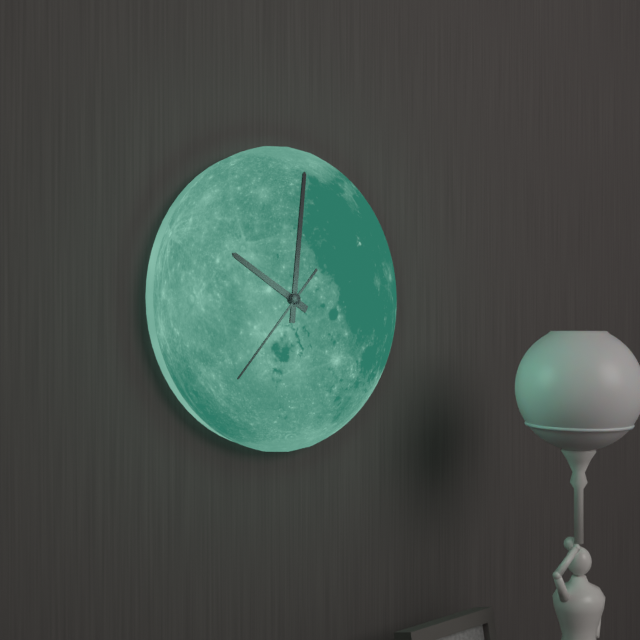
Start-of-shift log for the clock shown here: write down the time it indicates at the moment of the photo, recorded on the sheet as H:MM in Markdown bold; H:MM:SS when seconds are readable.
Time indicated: **10:01:37**
